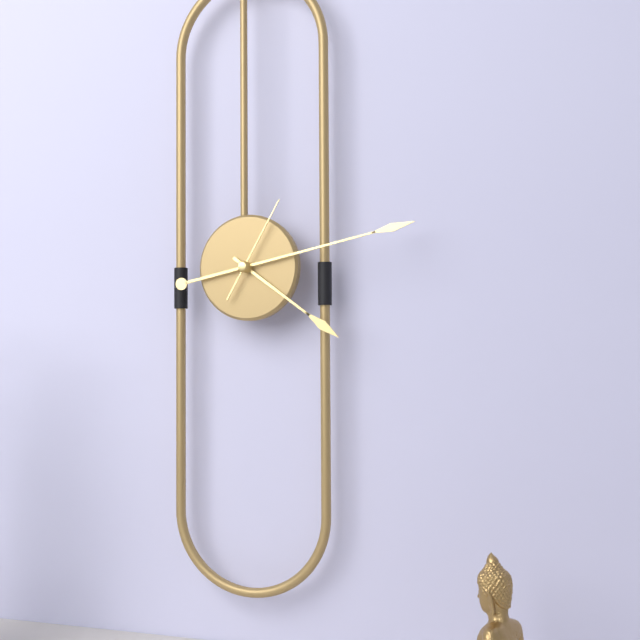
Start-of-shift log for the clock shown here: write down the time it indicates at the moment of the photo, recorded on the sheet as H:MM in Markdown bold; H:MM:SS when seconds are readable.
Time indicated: **4:13:05**
